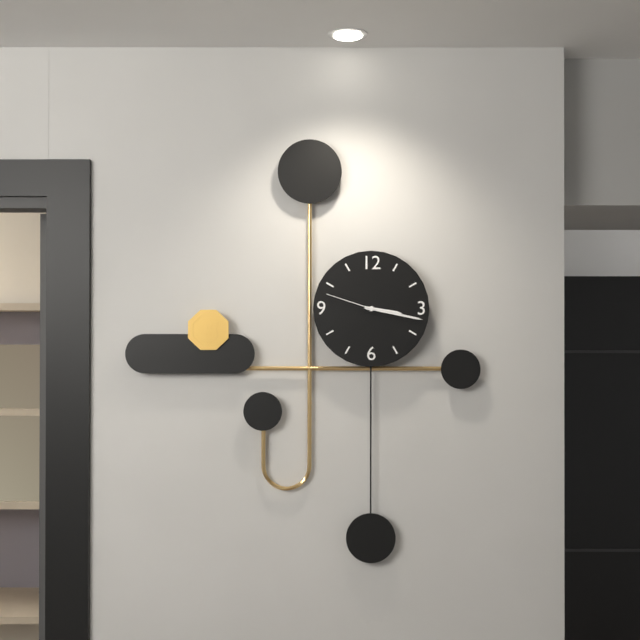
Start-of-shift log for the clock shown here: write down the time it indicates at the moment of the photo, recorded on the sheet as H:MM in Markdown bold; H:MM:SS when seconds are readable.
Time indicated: **3:17:48**
